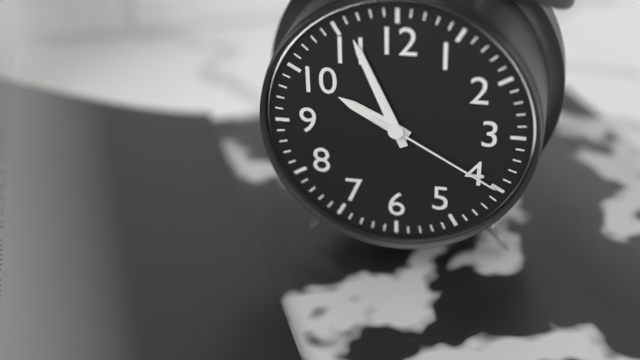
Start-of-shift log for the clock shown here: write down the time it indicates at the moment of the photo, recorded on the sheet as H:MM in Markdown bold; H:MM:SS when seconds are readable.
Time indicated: **9:56:20**
